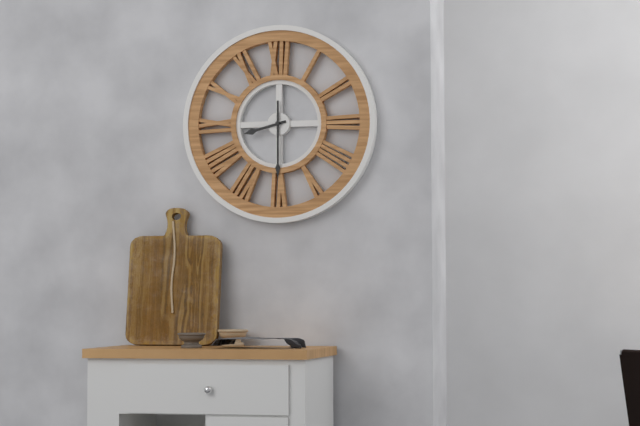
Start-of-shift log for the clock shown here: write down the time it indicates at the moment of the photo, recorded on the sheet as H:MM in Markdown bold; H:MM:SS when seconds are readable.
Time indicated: **8:30**
